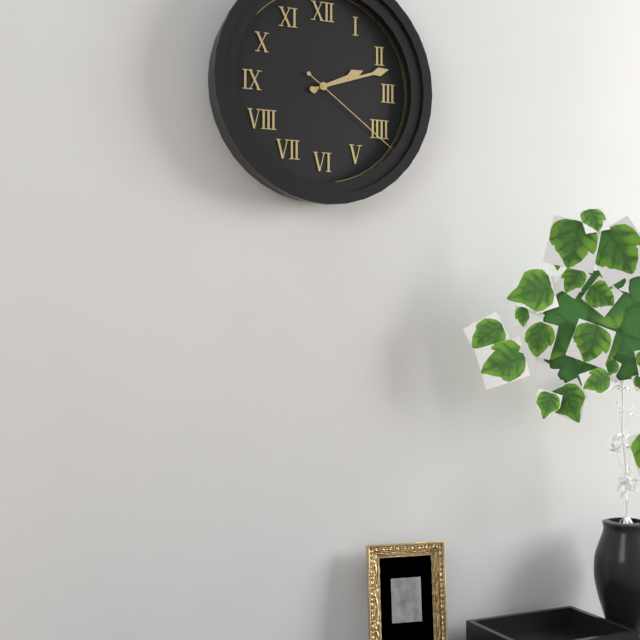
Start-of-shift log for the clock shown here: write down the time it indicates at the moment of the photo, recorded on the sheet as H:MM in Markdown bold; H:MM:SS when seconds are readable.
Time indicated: **2:12:21**
